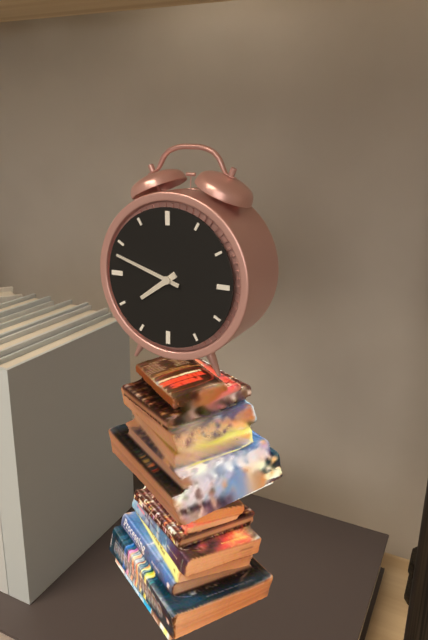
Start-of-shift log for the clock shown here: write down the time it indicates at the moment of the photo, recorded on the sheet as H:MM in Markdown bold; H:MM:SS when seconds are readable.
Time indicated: **7:48**
